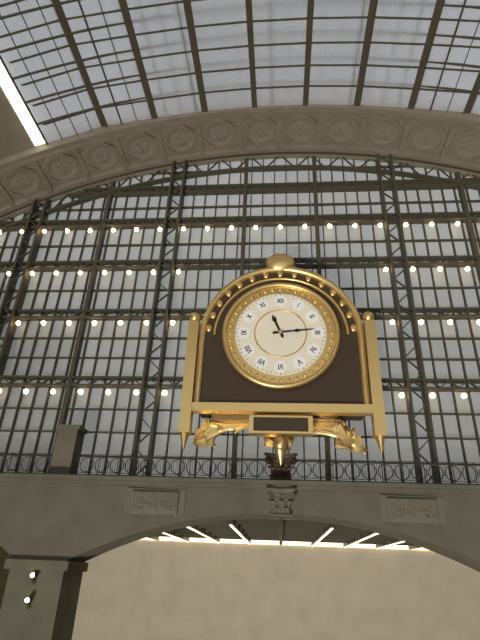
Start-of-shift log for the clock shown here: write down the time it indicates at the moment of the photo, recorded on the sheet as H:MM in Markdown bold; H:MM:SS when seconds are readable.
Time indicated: **11:14**
